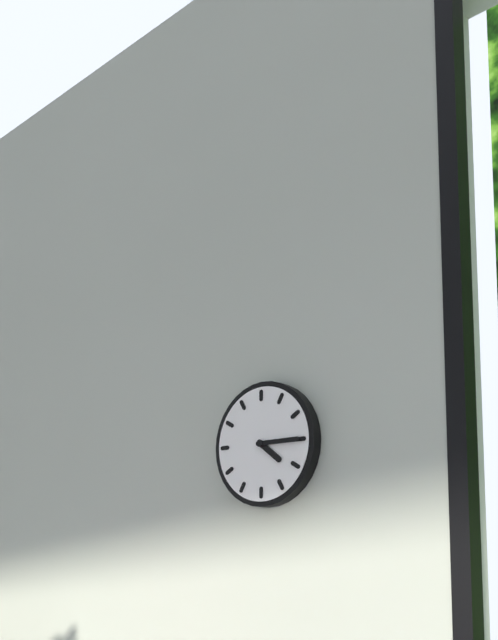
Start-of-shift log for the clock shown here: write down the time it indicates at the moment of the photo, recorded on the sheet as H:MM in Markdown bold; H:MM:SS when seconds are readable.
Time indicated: **4:15**
